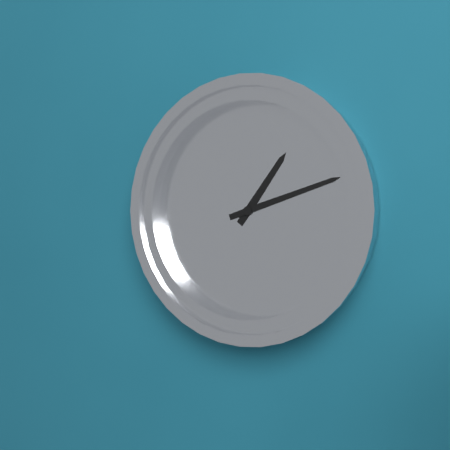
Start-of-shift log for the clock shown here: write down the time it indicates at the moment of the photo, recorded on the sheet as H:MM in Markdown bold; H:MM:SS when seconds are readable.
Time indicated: **1:12**
